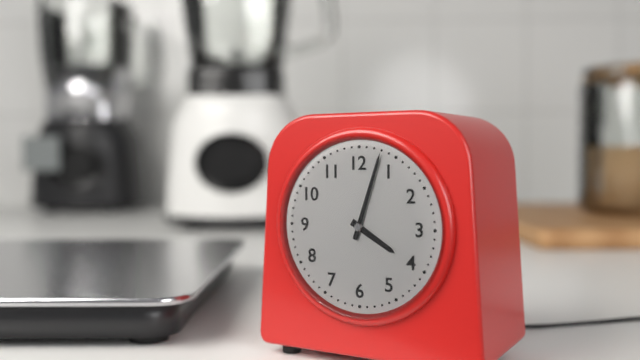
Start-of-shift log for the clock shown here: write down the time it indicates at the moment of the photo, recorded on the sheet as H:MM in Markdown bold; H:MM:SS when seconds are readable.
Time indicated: **4:03**
